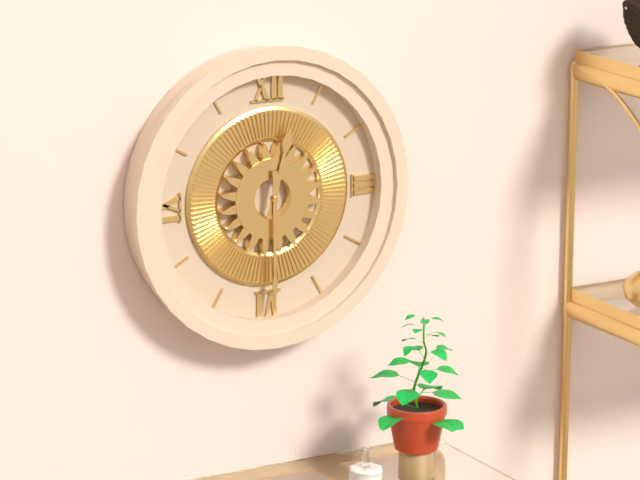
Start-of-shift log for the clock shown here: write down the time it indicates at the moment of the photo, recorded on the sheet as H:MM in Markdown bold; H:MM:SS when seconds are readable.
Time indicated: **12:30**
